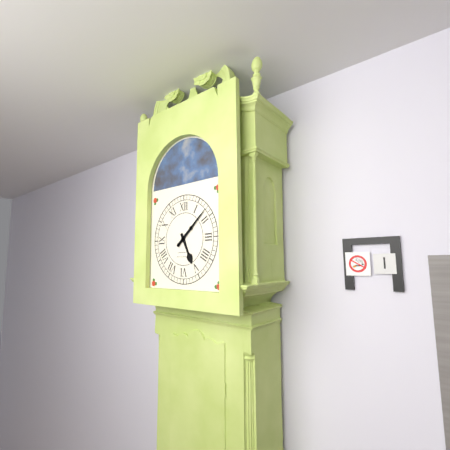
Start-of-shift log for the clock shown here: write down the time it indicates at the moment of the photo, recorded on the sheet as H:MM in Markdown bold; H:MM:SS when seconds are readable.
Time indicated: **5:08**
